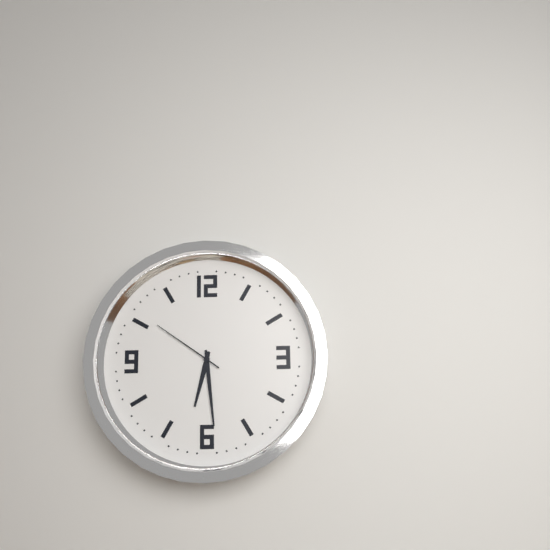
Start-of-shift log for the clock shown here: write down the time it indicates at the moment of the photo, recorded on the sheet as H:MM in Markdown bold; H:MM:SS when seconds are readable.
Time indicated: **6:29:51**
